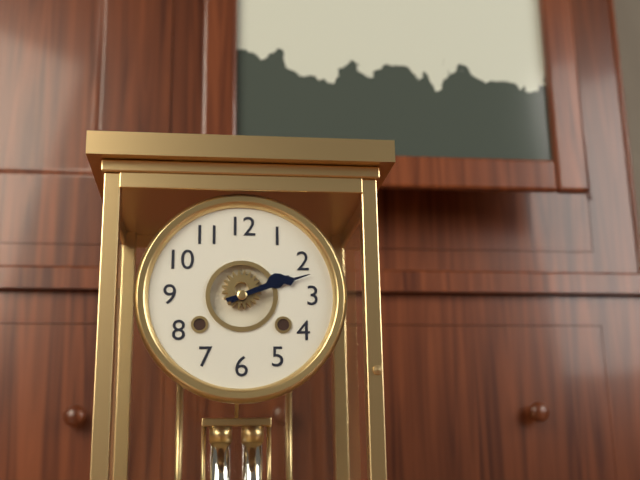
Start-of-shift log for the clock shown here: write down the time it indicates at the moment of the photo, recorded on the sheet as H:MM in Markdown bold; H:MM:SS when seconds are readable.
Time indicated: **2:12**
